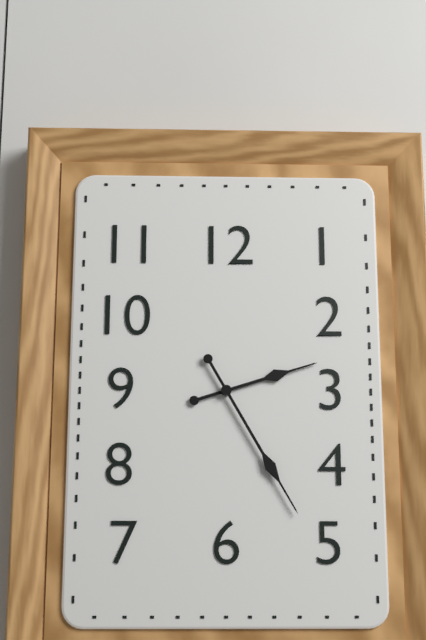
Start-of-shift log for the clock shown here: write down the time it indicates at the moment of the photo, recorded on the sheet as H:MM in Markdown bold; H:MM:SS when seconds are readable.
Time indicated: **2:25**
